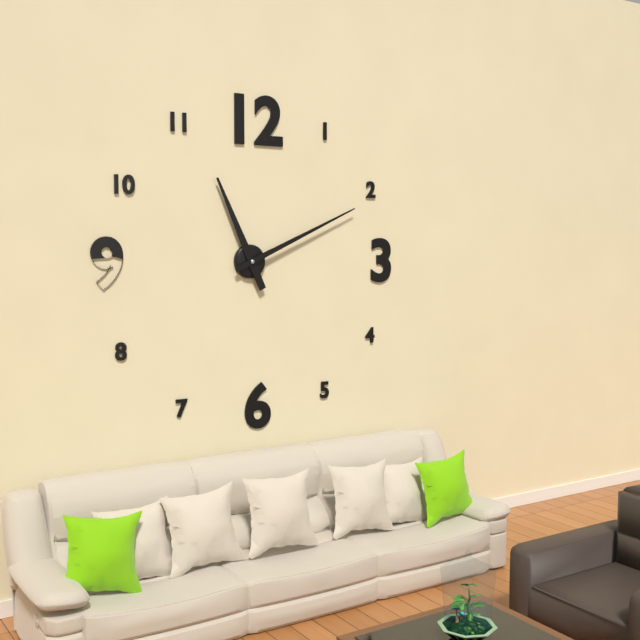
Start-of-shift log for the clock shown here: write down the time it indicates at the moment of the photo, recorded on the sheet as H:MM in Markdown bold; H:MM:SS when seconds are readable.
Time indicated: **11:11**
